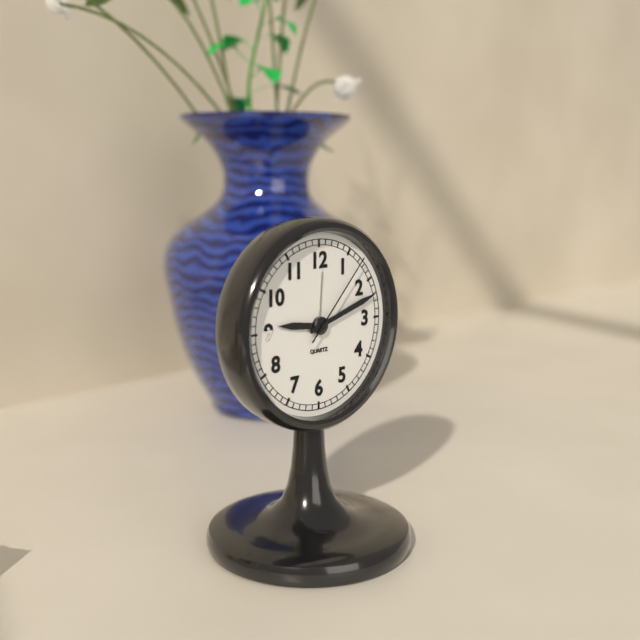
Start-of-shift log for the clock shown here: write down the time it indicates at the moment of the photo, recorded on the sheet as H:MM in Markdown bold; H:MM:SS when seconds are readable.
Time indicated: **9:12:07**
